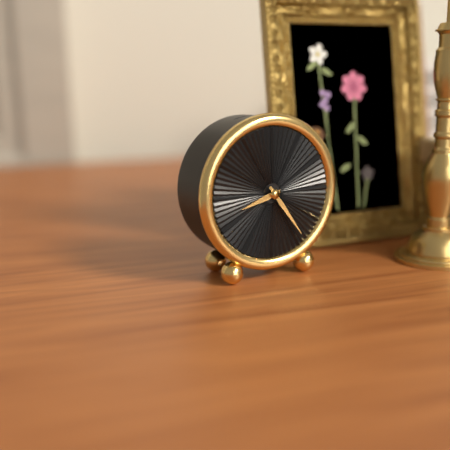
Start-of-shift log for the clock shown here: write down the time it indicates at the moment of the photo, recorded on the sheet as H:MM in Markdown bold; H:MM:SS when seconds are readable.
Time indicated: **8:24**
